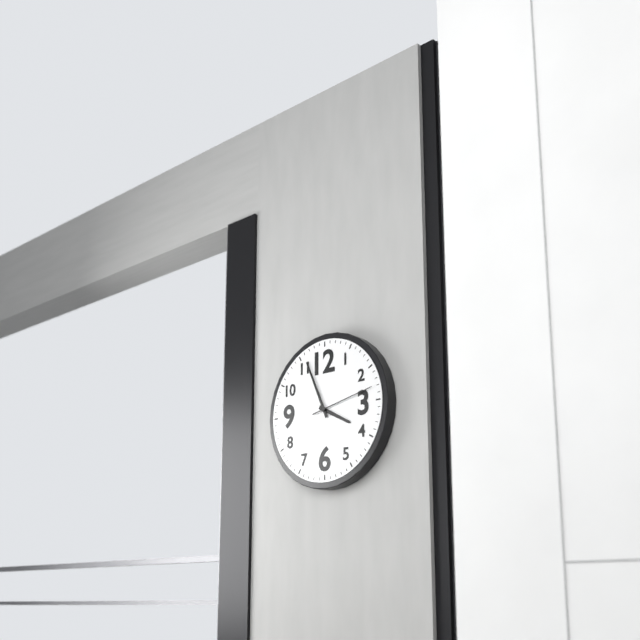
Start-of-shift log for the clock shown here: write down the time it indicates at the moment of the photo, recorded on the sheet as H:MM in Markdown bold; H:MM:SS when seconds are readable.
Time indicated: **3:56:13**
